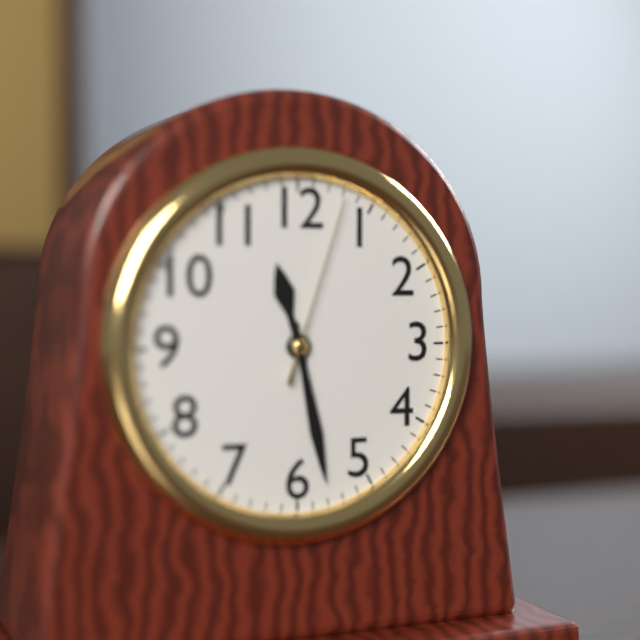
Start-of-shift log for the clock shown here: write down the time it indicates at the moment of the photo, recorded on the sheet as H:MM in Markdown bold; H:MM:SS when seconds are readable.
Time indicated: **11:28:03**
